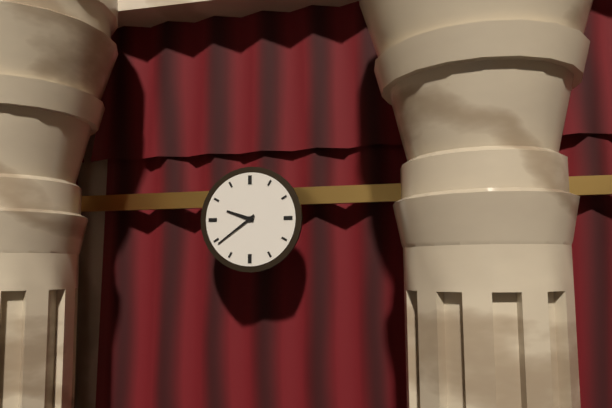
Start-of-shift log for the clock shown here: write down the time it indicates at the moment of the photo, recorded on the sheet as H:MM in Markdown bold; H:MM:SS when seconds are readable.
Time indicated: **9:39**
